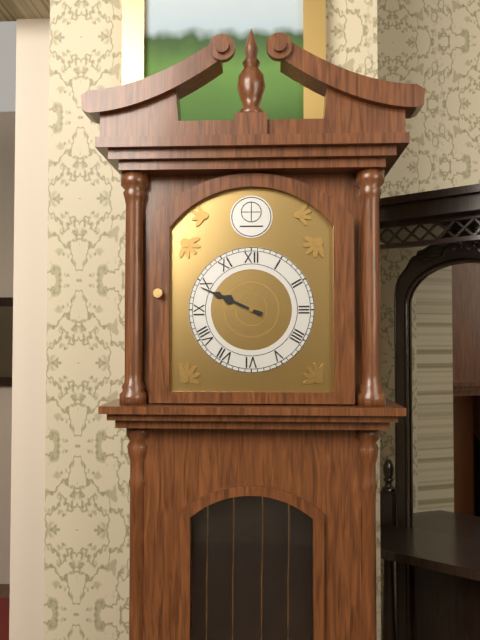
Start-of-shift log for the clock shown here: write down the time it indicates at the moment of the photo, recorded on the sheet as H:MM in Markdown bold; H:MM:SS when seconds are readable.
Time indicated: **9:49**
